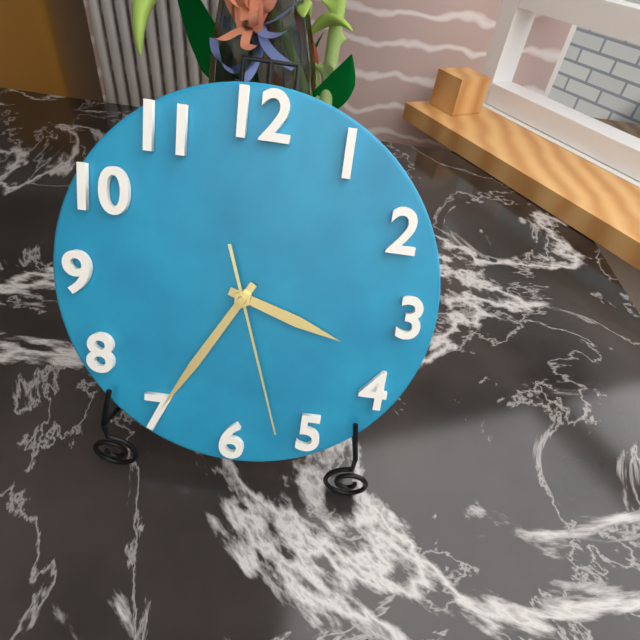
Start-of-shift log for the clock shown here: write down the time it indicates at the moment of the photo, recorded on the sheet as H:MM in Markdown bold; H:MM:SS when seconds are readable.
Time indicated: **3:35:27**
